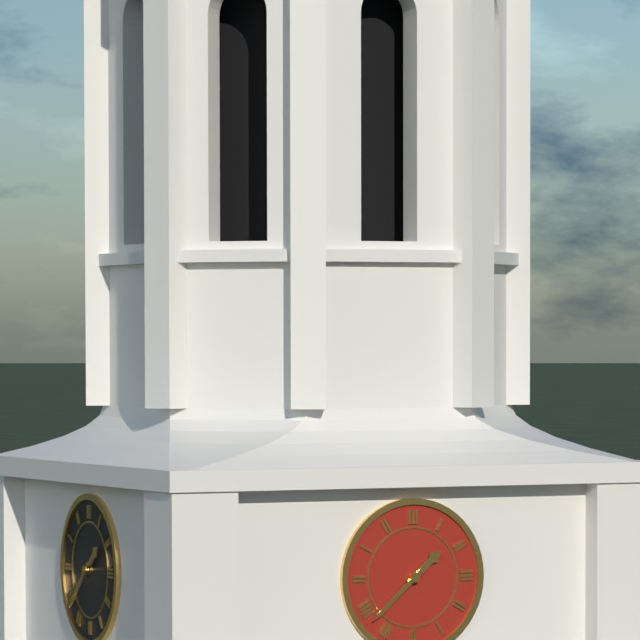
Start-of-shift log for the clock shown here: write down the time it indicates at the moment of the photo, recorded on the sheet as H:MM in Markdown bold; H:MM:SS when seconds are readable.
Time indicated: **1:38**
